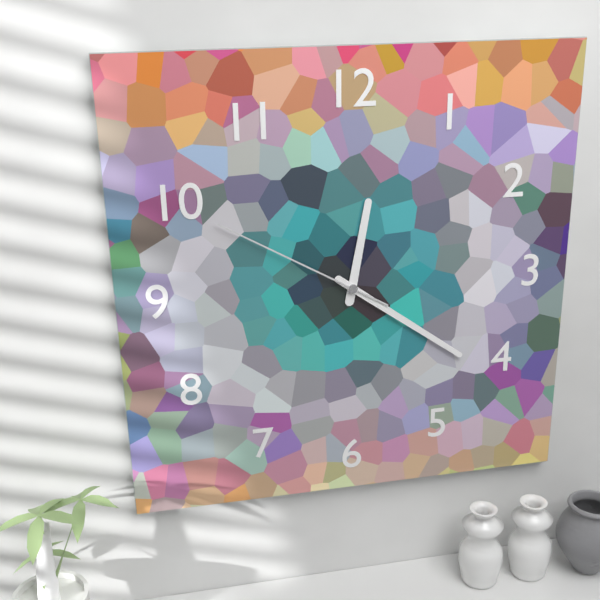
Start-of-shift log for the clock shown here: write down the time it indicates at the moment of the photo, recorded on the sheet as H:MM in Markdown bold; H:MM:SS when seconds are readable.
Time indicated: **12:21:50**
